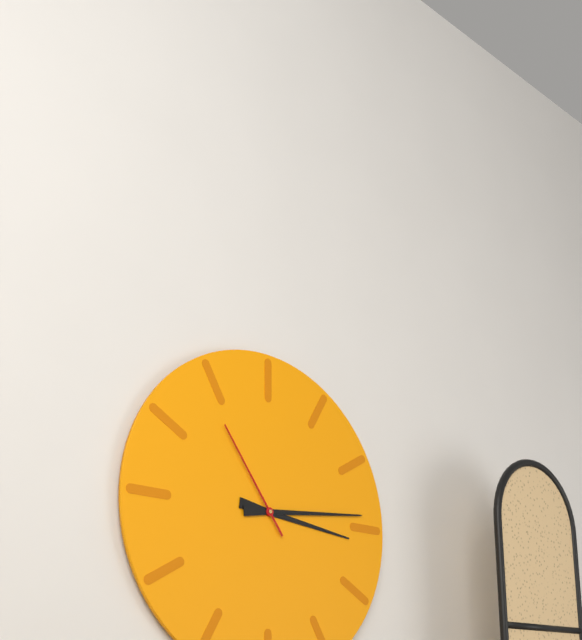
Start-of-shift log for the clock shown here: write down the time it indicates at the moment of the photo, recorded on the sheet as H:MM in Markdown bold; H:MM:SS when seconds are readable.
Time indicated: **3:14:54**
